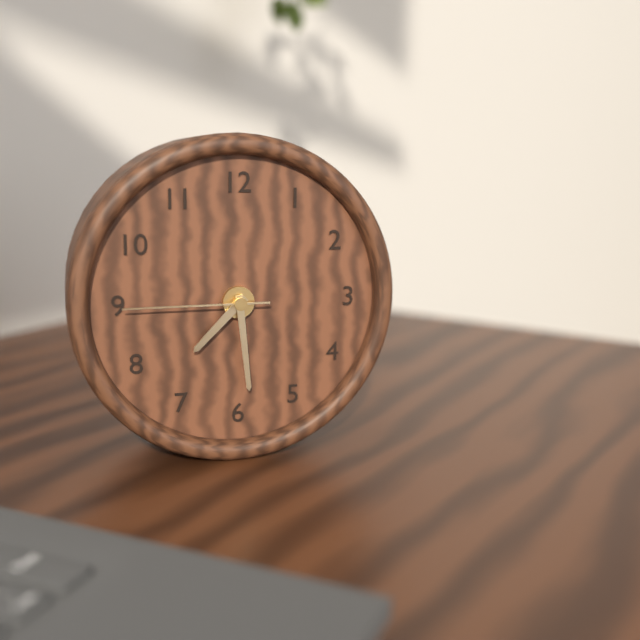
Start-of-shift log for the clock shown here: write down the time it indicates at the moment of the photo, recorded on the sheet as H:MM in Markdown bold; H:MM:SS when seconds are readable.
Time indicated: **7:29:45**
